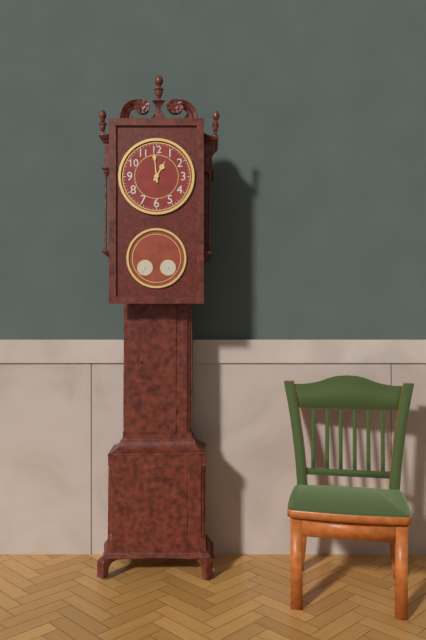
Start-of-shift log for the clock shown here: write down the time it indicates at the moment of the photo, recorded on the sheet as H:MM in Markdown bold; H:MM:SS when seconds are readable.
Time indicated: **12:59**
